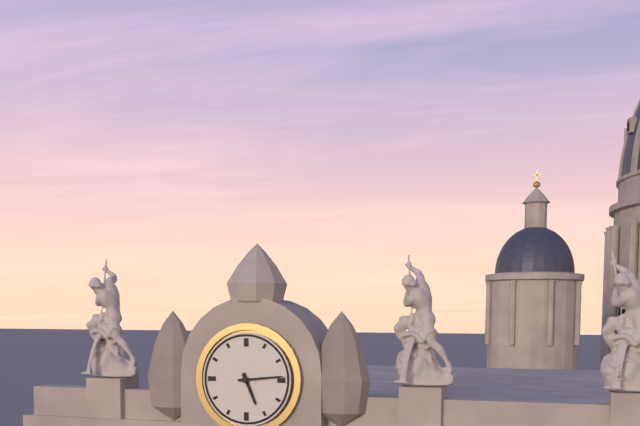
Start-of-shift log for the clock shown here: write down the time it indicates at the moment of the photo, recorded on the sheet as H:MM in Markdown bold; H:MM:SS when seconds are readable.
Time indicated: **5:14**
